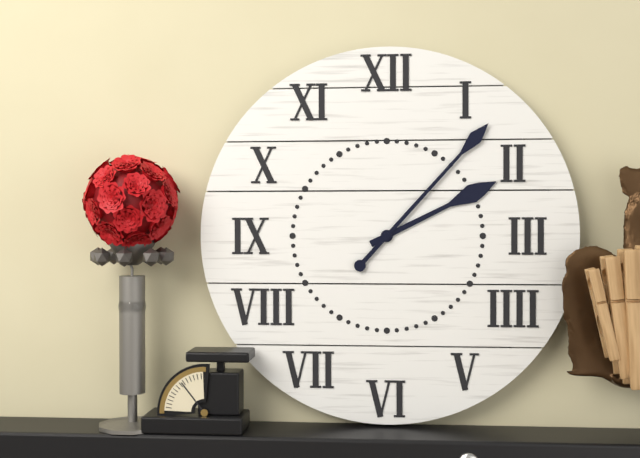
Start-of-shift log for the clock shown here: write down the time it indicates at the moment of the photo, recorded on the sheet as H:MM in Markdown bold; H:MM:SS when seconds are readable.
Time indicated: **2:07**
